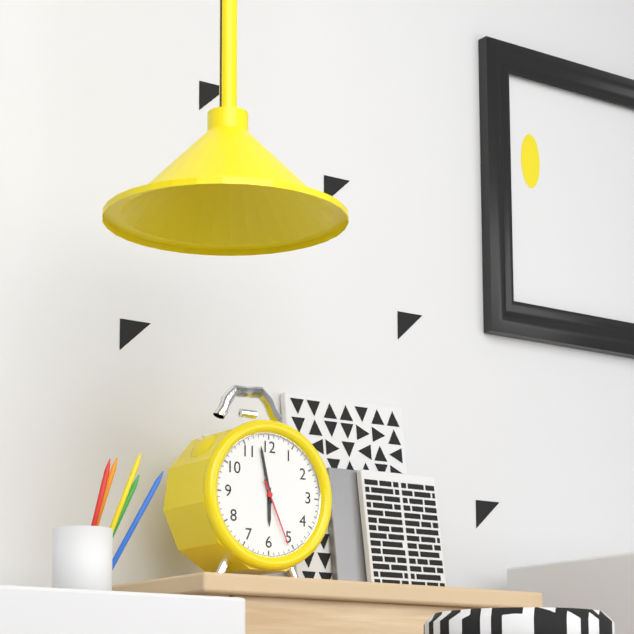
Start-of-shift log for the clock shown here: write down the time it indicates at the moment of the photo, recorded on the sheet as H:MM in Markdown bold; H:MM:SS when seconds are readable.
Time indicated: **5:58:26**
